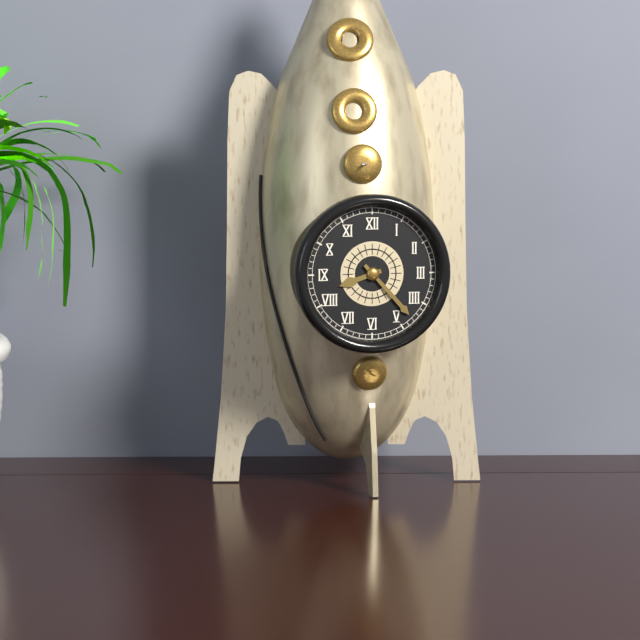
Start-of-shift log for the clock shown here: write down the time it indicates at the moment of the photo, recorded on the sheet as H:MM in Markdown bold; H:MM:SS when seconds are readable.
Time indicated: **8:23**
